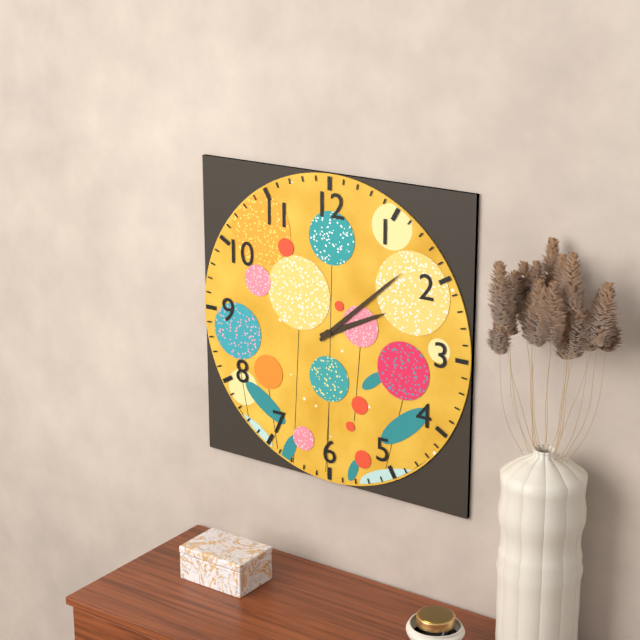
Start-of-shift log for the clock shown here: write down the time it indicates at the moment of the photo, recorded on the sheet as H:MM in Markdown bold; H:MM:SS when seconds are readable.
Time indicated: **2:08**
